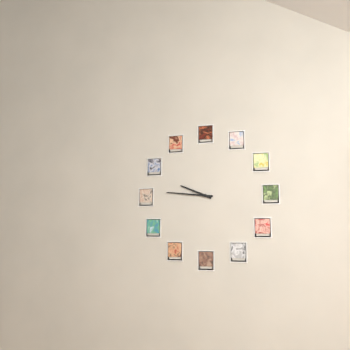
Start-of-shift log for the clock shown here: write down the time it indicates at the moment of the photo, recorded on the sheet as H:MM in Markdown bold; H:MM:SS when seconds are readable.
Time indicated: **9:46**
